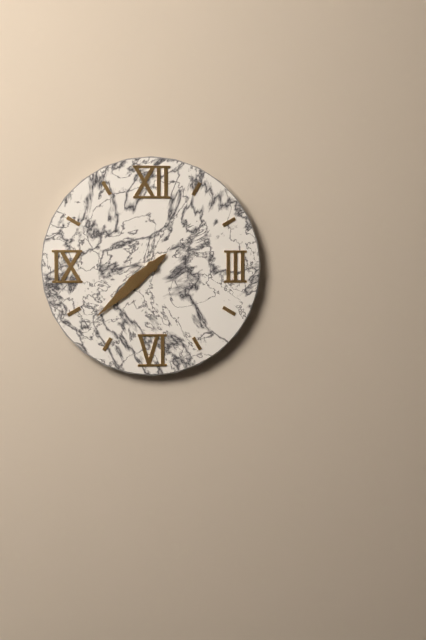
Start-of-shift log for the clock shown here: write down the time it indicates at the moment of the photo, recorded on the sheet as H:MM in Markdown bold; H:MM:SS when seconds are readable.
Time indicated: **7:38**
